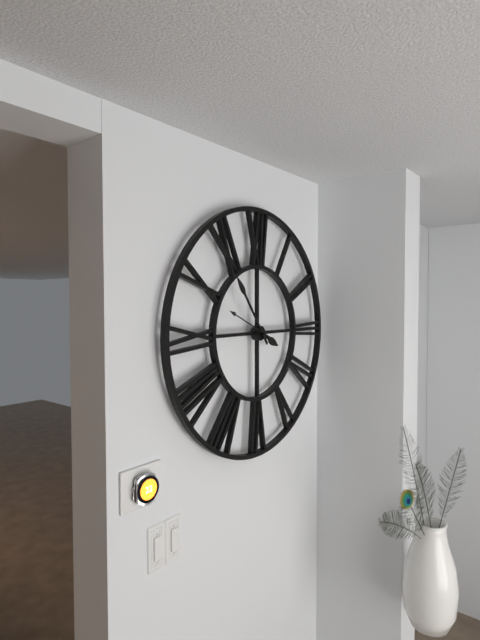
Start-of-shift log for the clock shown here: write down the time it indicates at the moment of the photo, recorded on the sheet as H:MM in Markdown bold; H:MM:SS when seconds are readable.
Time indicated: **3:54**
